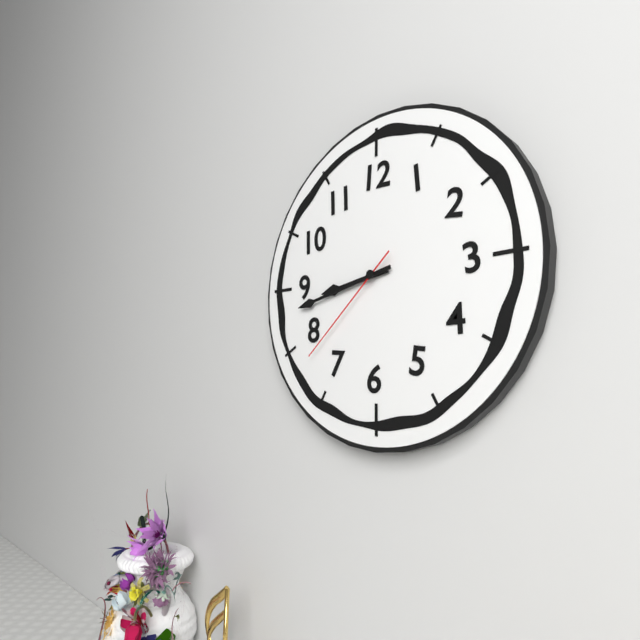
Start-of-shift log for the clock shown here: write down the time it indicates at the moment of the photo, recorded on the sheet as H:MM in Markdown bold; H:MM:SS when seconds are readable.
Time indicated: **8:43:38**
